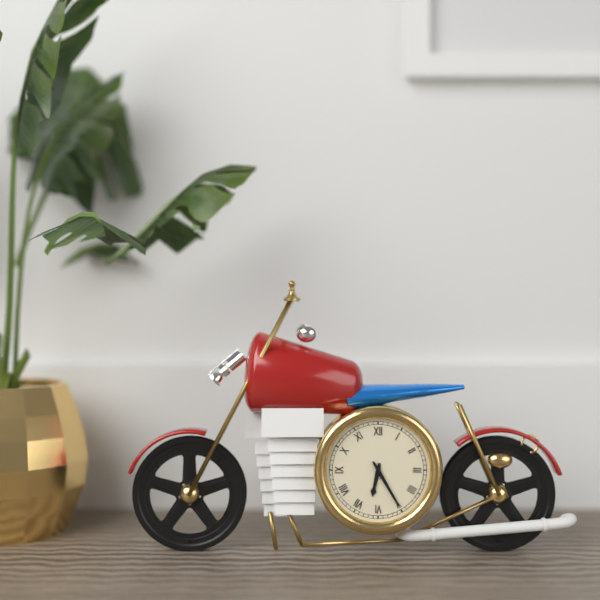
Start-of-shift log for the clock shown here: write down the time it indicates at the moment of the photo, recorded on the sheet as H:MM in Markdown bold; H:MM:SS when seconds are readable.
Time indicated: **6:25**
